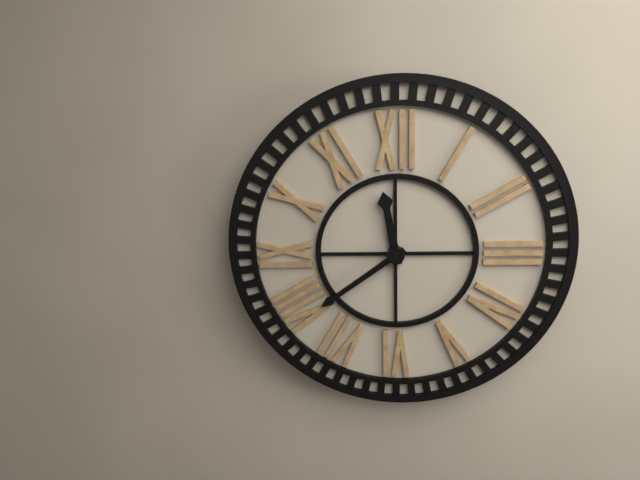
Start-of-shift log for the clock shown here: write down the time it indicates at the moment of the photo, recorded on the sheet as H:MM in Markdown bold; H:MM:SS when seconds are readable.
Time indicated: **11:39**
